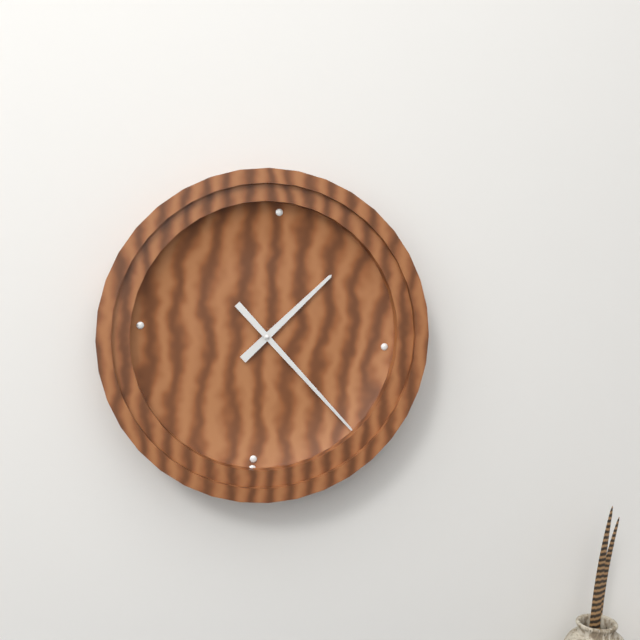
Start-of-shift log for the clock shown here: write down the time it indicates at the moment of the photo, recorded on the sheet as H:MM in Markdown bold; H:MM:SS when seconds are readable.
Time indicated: **1:22**
